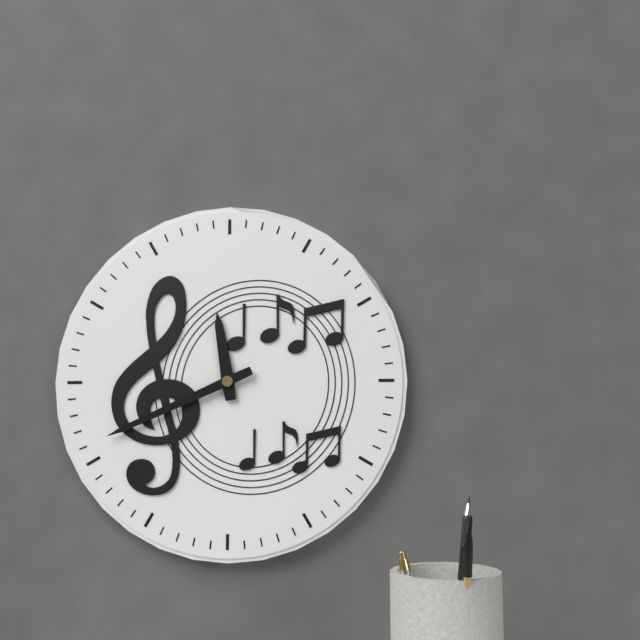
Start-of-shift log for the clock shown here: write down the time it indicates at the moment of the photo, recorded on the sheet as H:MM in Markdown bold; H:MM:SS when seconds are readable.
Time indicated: **11:41**
